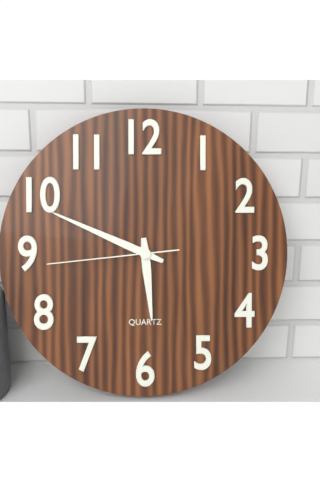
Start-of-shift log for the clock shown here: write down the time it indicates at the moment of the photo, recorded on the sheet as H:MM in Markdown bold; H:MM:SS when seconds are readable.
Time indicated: **5:49:44**
